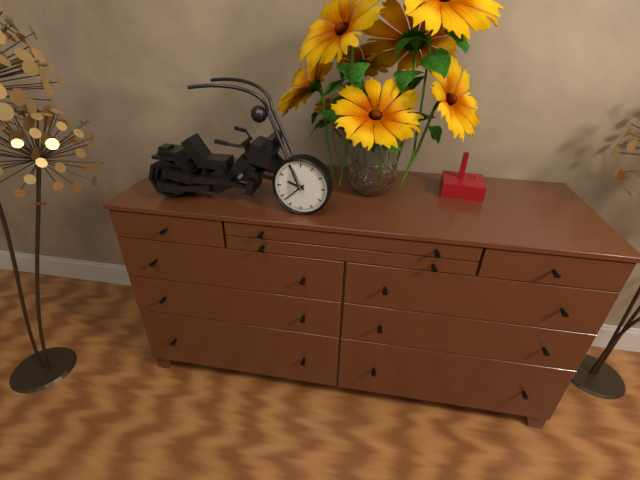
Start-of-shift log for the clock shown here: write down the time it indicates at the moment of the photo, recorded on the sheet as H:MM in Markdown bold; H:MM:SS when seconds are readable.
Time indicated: **9:38**
